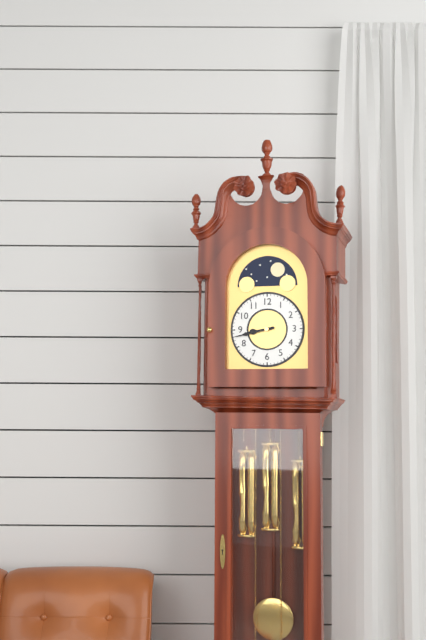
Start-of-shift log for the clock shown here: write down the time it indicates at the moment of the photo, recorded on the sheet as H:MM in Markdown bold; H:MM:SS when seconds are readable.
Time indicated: **8:43**
